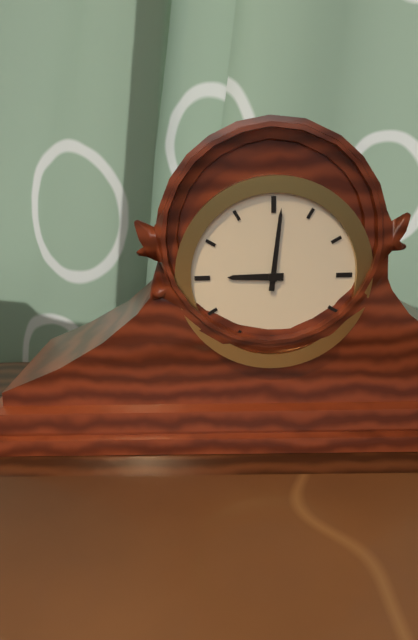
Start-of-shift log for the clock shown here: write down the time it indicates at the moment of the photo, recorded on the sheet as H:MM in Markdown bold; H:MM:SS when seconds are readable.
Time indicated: **9:01**
